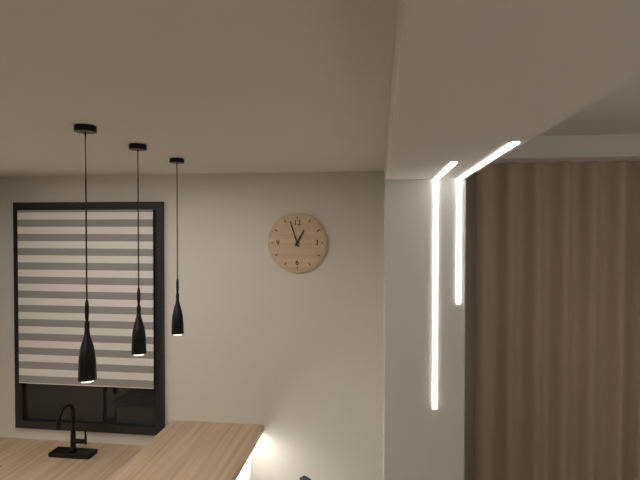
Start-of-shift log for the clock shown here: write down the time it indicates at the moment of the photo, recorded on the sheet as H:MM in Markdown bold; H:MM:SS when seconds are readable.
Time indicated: **12:57**
